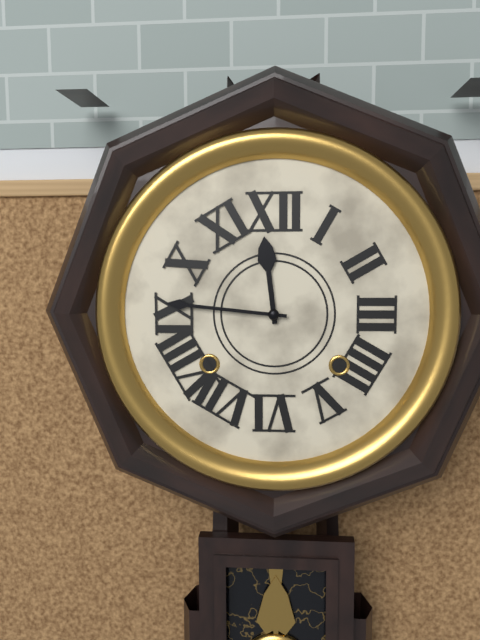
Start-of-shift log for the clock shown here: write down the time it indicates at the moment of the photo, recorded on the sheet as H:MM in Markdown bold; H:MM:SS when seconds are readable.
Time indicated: **11:46**
